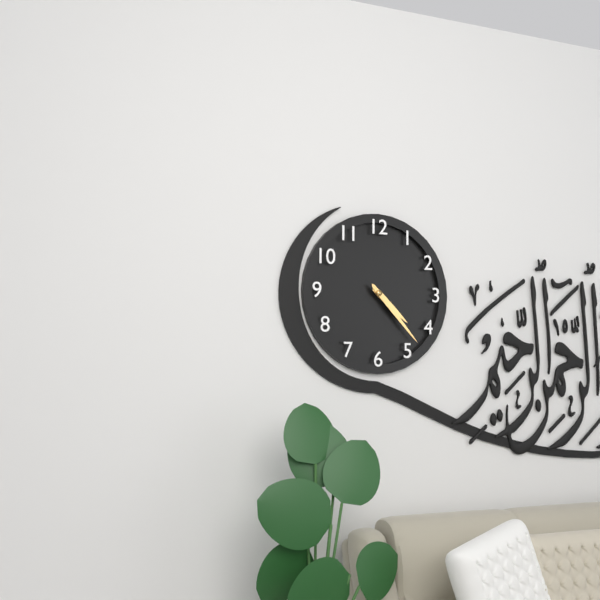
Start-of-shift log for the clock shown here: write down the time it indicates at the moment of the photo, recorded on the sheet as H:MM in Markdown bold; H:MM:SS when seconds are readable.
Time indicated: **4:23**
